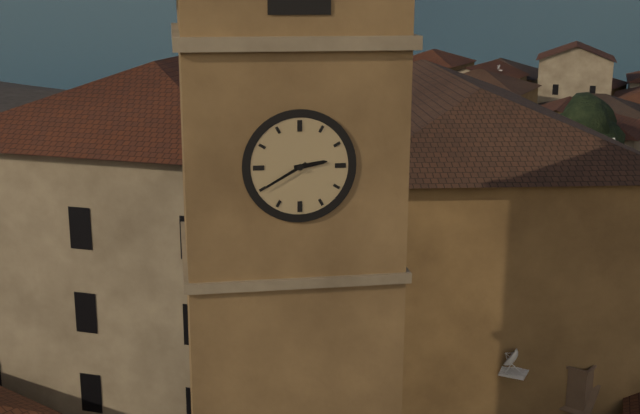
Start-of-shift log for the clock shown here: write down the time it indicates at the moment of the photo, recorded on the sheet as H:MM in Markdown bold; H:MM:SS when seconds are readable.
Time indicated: **2:40**
